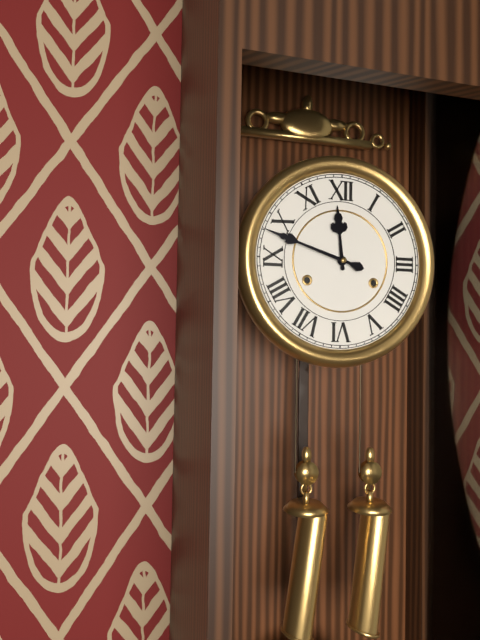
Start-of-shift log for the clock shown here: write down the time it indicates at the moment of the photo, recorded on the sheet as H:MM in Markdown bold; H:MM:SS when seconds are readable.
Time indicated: **11:48**
